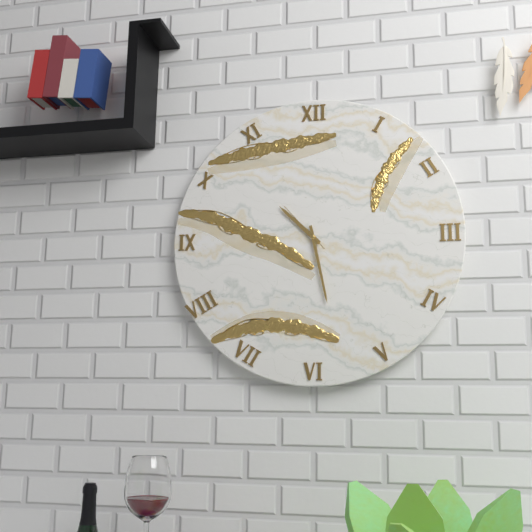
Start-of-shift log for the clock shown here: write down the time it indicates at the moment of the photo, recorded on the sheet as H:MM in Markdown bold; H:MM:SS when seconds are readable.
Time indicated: **10:28:53**
